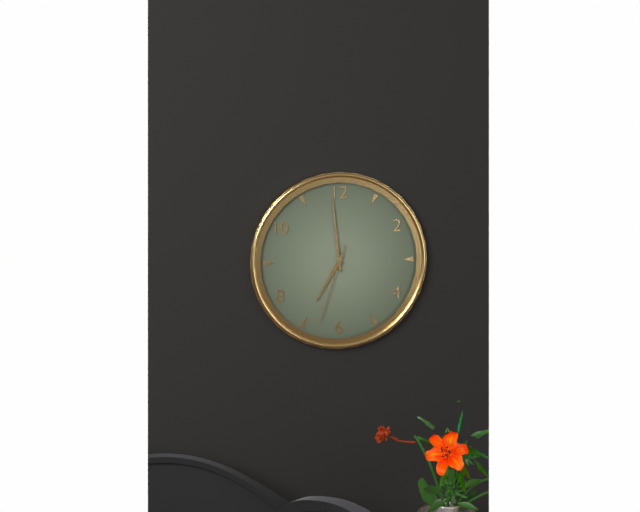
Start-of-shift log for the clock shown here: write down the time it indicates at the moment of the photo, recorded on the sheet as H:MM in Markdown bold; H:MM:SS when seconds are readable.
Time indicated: **6:59:33**
